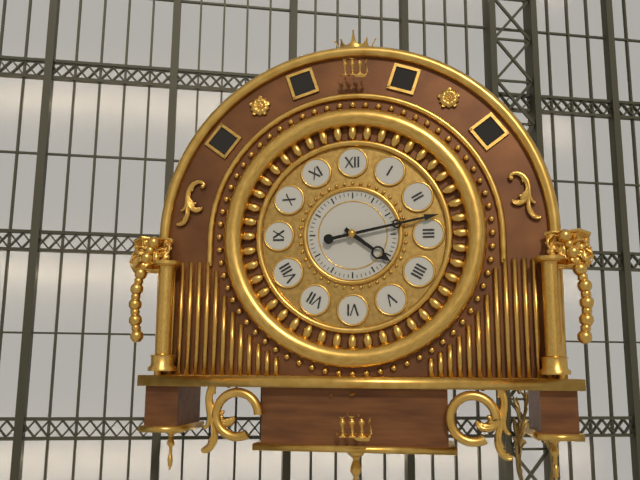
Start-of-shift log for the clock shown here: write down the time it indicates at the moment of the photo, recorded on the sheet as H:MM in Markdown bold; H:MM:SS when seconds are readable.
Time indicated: **4:13**
